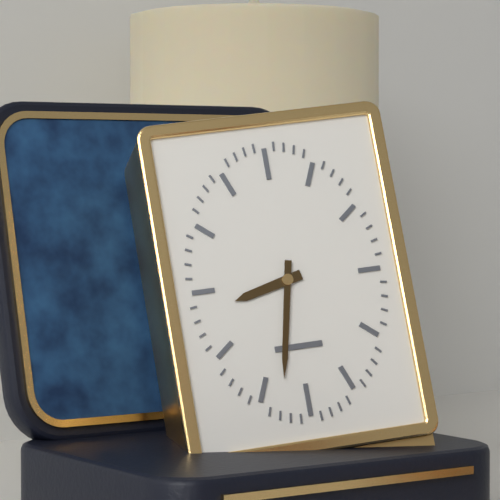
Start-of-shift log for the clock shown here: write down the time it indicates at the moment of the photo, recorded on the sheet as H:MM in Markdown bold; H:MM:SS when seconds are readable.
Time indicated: **8:32**
